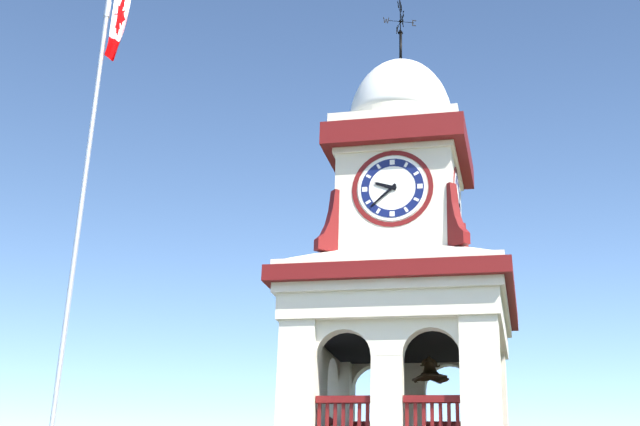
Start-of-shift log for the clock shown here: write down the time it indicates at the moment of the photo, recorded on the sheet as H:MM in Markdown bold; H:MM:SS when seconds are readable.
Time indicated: **9:38**
